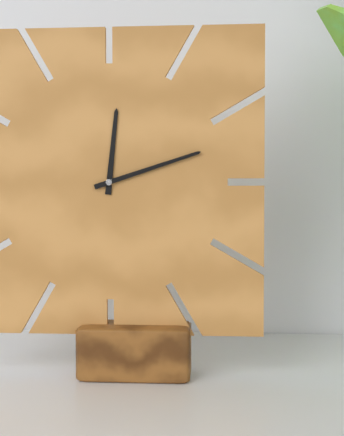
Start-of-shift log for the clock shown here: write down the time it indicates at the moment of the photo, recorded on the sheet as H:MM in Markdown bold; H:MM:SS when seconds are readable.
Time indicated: **12:12**
